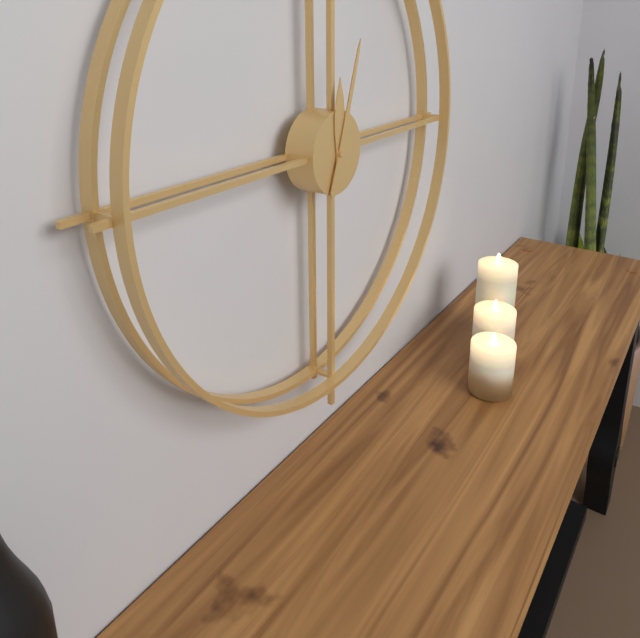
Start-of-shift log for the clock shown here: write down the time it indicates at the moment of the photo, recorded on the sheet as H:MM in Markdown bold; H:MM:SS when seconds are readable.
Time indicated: **12:03**
